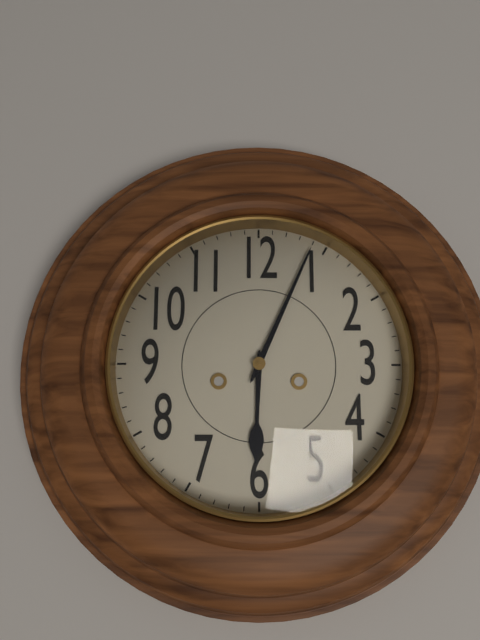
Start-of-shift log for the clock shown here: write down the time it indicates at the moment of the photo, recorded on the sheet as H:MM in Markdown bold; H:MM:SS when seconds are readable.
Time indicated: **6:04**
